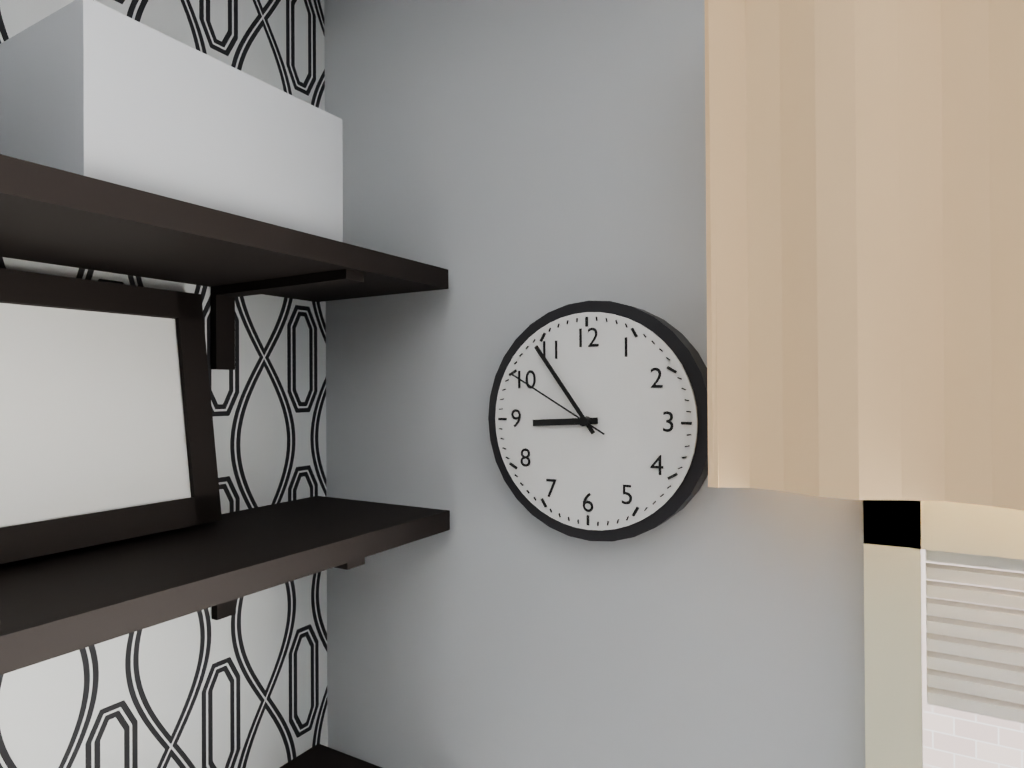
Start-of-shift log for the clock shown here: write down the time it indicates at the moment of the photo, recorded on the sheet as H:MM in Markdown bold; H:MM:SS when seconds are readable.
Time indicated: **8:54:50**
